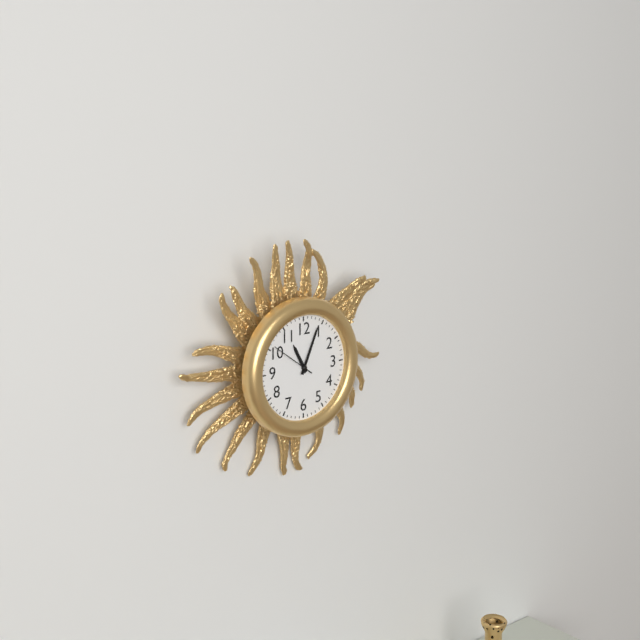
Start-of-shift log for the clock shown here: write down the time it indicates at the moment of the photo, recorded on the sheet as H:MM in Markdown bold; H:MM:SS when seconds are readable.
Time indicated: **11:04**
